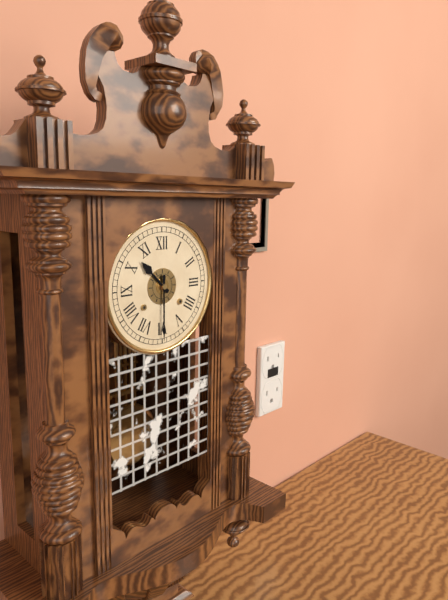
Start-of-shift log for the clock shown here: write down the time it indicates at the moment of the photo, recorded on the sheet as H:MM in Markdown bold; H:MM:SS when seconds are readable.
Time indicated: **10:30**
